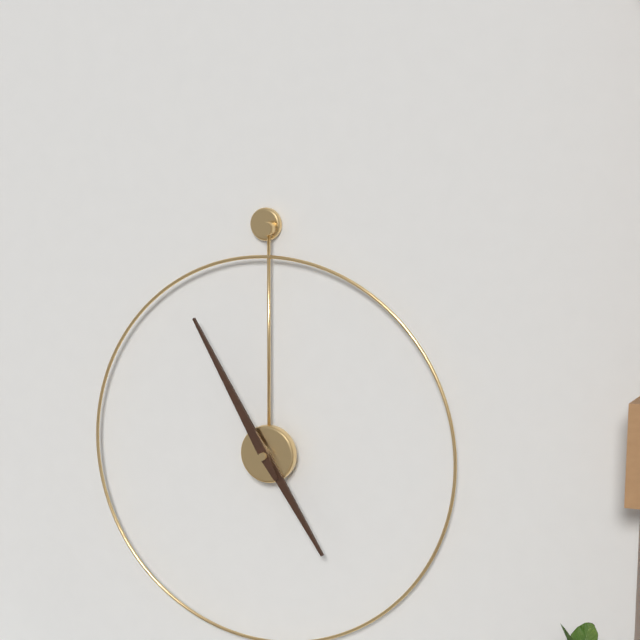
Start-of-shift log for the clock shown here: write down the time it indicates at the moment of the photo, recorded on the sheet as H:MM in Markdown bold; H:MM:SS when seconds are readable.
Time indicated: **4:55**
